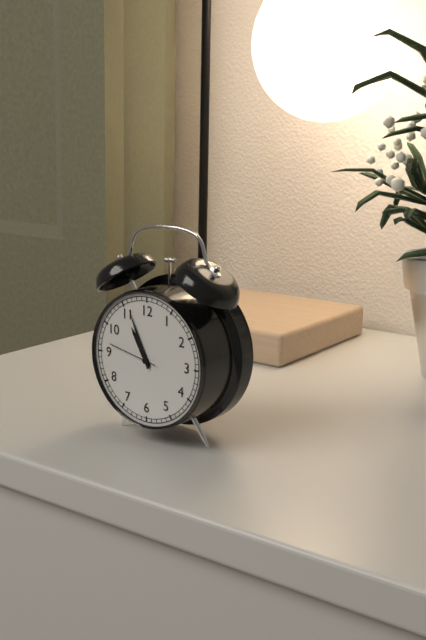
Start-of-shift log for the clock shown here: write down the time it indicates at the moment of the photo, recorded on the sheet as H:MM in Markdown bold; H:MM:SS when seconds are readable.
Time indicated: **10:56:47**
